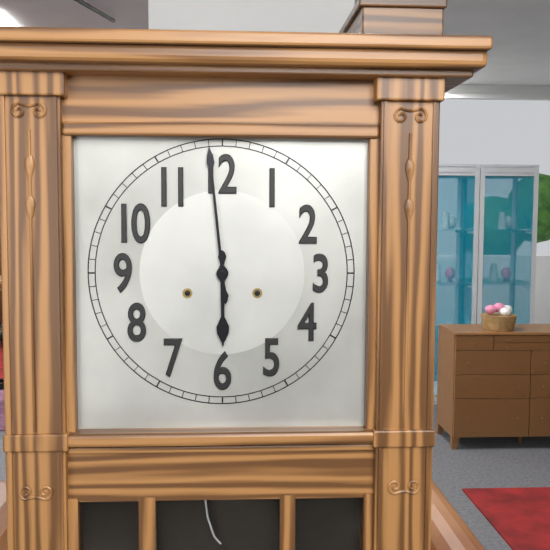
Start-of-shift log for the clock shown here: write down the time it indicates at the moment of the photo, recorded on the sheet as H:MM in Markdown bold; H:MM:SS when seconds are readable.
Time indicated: **5:59**
